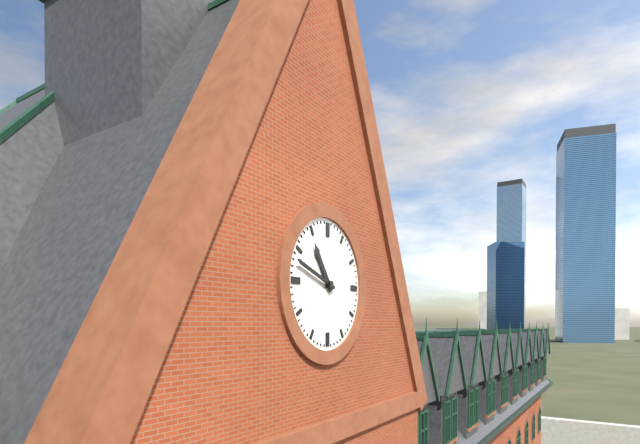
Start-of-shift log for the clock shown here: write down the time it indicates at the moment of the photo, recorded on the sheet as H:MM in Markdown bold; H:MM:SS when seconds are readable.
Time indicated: **10:48**
